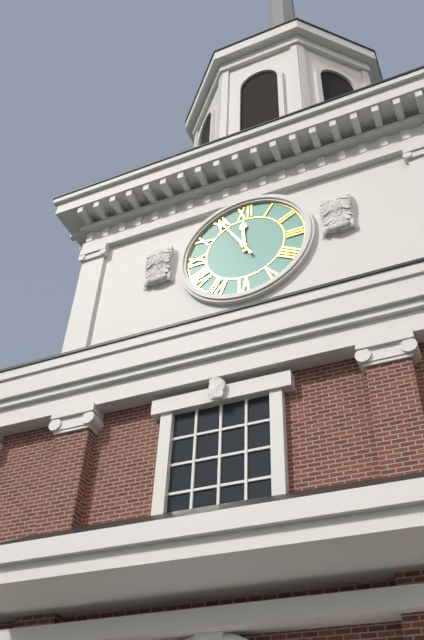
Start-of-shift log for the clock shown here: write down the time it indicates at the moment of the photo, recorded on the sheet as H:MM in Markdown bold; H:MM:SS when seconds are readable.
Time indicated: **11:55**
